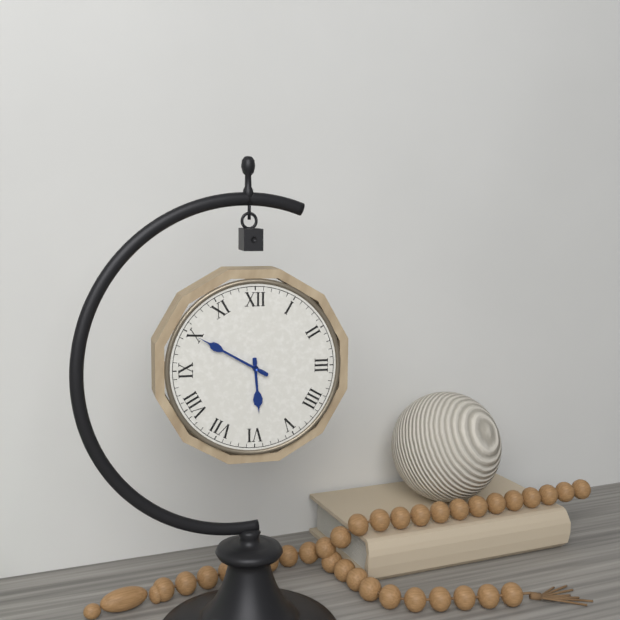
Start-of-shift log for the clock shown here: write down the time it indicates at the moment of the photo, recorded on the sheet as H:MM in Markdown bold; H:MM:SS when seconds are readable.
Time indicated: **5:50**
